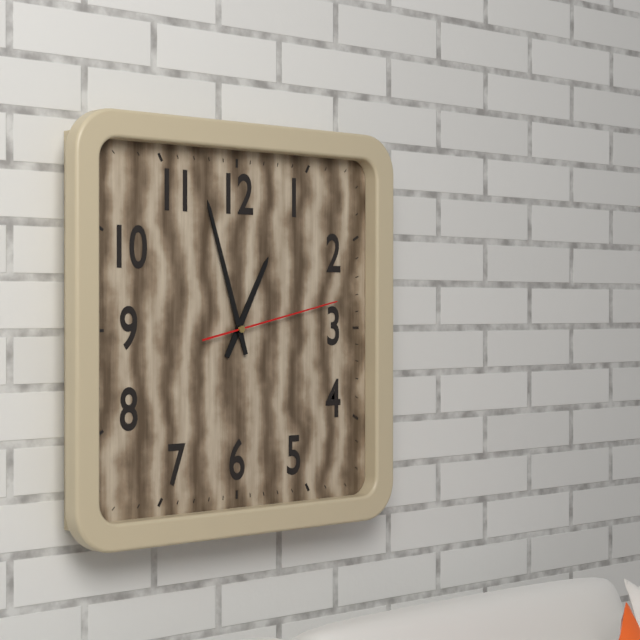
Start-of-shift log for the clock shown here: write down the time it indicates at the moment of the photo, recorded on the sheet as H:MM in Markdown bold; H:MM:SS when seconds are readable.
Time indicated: **12:57:13**
